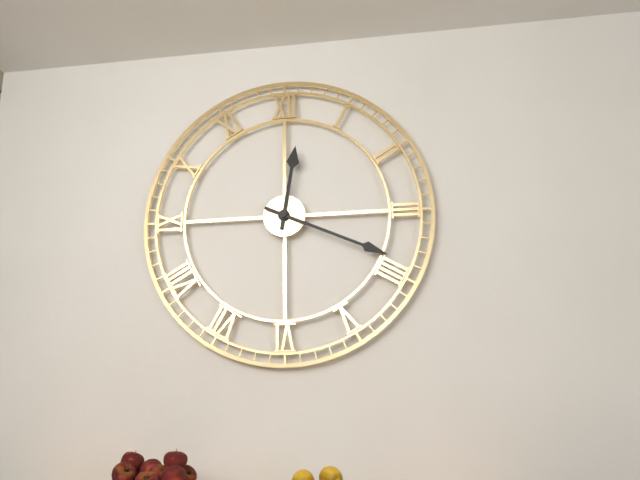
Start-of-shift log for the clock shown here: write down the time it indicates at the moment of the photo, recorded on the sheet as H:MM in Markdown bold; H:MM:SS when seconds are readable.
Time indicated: **12:19**
